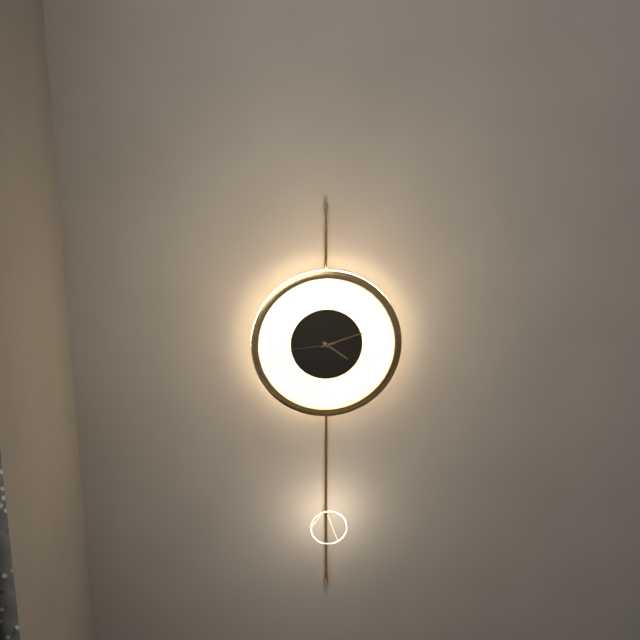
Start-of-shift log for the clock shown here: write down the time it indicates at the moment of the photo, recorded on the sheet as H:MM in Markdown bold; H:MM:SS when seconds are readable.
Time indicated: **4:12:44**
